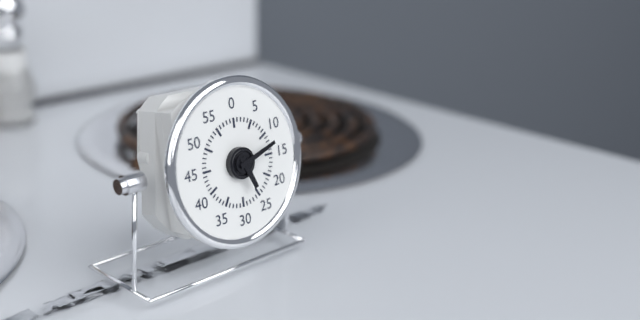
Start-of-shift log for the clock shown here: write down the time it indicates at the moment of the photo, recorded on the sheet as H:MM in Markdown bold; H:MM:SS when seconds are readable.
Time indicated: **5:12**
